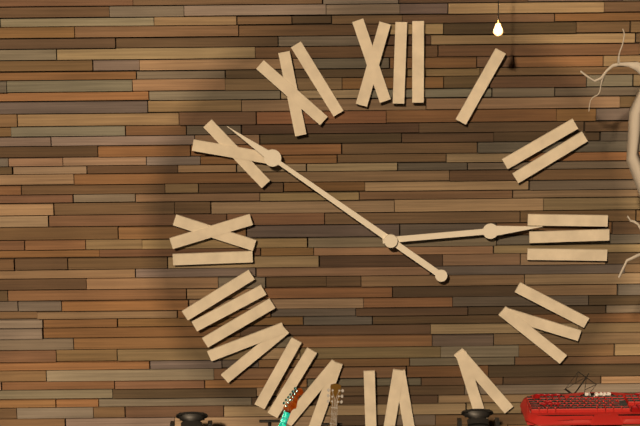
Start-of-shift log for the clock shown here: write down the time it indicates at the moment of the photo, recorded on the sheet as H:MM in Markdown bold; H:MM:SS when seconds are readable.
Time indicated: **2:51**
